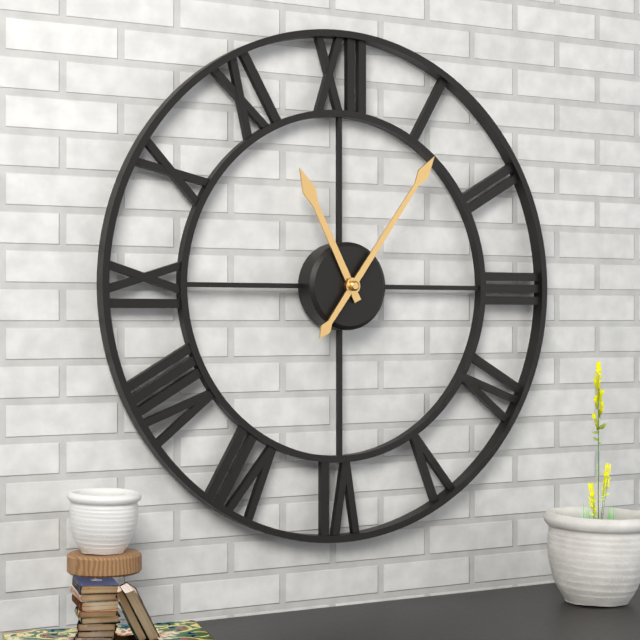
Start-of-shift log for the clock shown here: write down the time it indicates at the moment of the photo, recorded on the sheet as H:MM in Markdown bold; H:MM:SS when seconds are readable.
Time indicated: **11:06**
